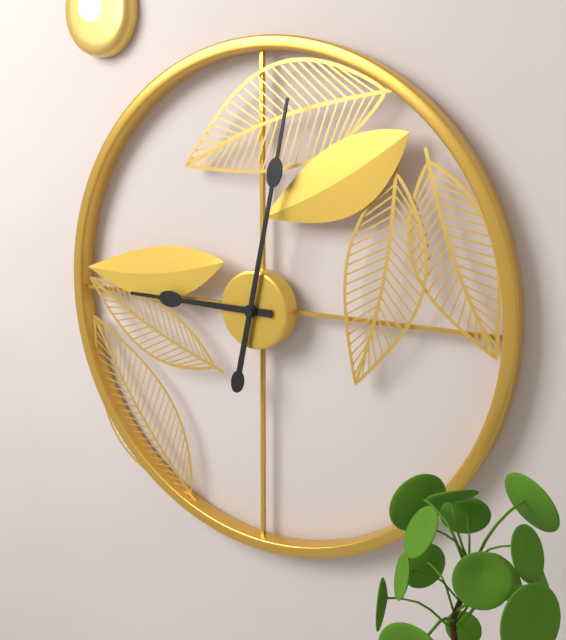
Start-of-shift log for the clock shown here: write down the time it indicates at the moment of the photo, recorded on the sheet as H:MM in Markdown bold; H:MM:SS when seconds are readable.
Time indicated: **9:02**
